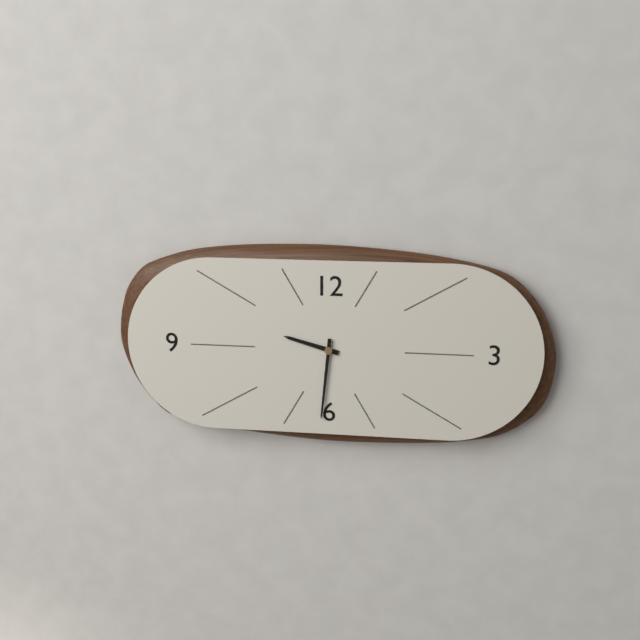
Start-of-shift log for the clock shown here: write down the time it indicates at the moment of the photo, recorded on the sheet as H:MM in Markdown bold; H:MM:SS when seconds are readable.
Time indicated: **9:31**
